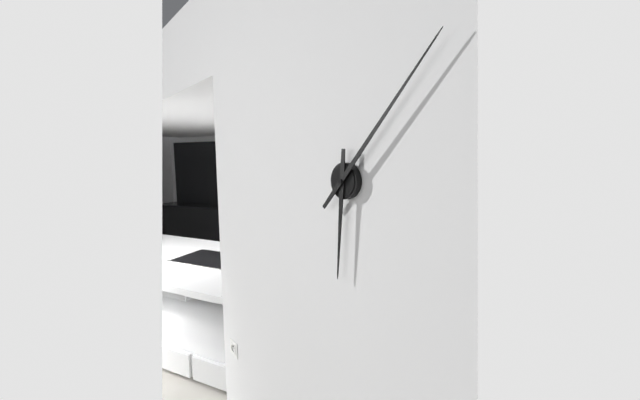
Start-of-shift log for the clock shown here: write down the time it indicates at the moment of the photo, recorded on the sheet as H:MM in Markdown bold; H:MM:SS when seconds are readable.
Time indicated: **6:07**
